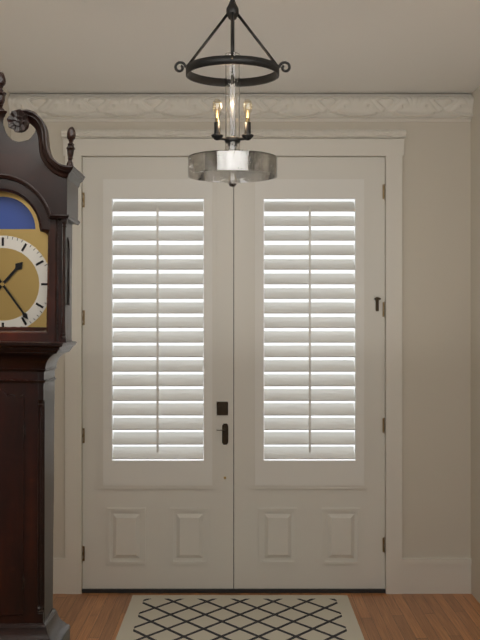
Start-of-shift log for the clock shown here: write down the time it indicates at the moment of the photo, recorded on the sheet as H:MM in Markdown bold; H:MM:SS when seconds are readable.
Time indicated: **1:24**
